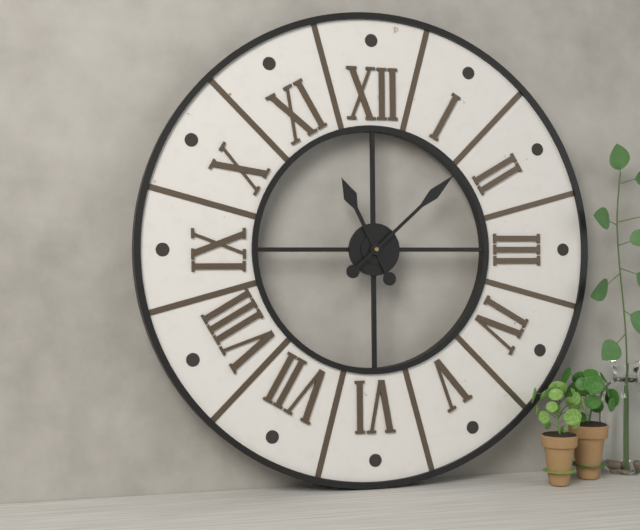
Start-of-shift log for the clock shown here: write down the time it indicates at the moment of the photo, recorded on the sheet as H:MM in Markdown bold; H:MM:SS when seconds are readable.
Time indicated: **11:08**
